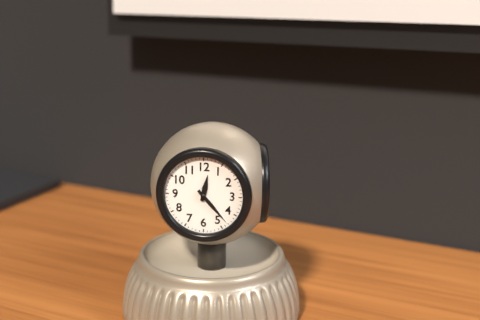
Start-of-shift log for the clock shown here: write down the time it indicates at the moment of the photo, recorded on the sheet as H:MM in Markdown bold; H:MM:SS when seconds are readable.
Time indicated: **12:23**
